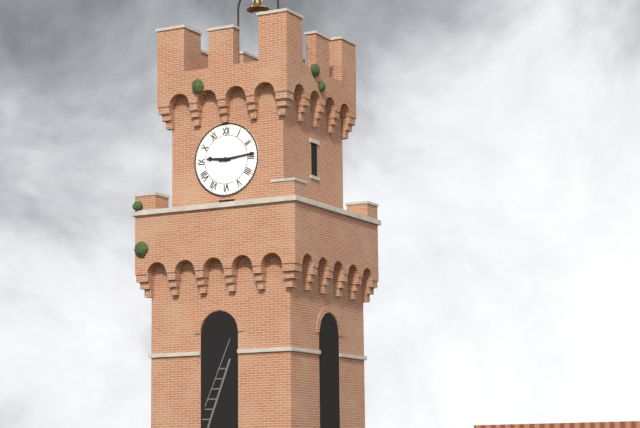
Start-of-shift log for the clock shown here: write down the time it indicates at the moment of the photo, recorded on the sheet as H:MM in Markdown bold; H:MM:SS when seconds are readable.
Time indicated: **9:14**
